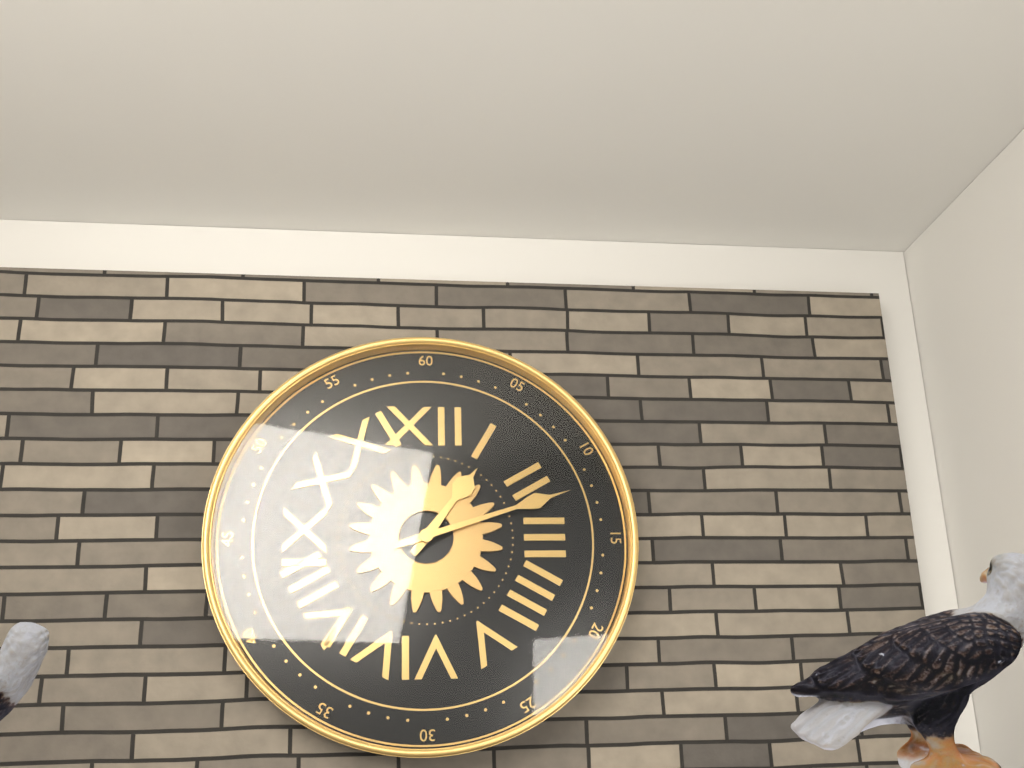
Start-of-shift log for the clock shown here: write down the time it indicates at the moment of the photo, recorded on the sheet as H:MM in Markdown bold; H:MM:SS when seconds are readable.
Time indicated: **1:12**
